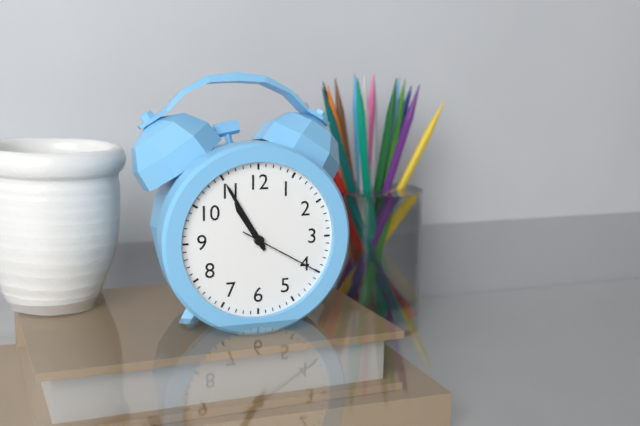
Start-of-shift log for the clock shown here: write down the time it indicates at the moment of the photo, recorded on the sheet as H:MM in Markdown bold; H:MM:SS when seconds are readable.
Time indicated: **10:55:20**
